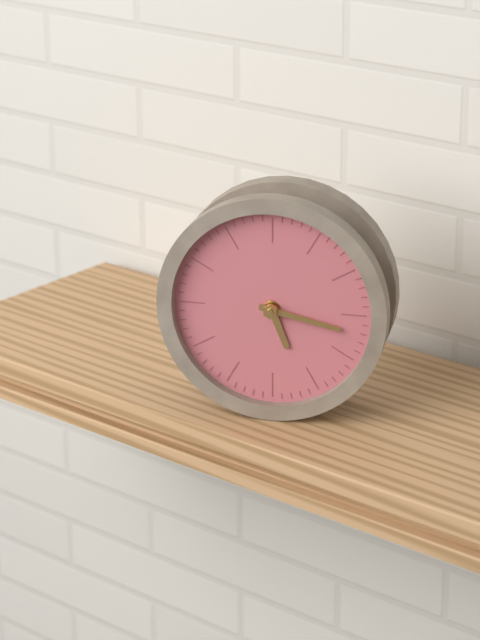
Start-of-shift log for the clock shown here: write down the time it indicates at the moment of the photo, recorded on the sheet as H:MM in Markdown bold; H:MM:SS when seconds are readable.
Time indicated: **5:17**
